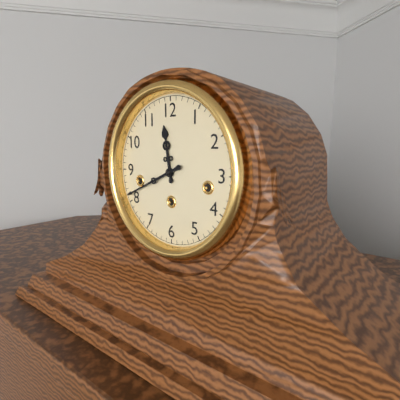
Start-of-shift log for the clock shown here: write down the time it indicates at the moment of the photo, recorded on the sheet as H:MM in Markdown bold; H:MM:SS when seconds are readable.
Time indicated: **11:41**
